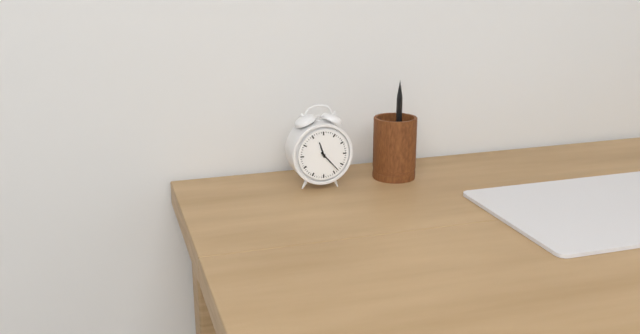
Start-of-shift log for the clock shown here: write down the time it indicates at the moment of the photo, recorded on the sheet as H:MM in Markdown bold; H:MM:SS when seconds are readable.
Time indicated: **11:23**
